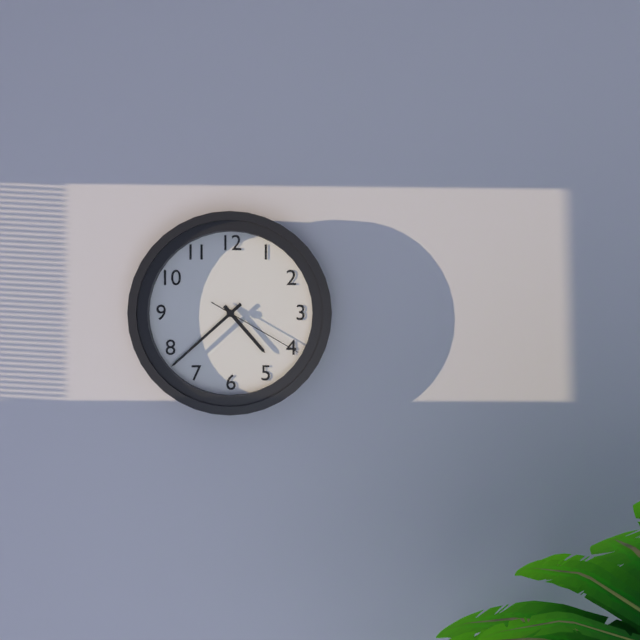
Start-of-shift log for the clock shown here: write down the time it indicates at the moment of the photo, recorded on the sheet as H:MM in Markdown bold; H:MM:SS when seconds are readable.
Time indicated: **4:38:20**
